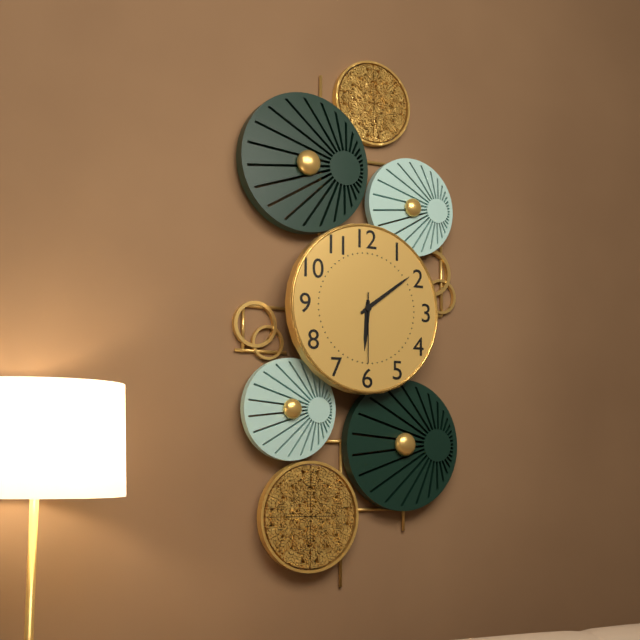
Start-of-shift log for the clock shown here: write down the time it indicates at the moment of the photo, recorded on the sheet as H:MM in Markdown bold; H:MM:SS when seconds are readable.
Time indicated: **6:09:30**
